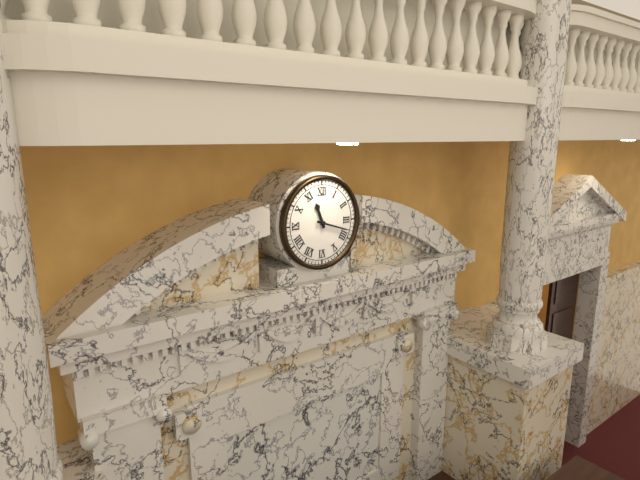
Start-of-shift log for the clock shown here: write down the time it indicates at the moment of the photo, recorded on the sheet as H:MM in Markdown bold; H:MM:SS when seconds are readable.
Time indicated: **11:18**
